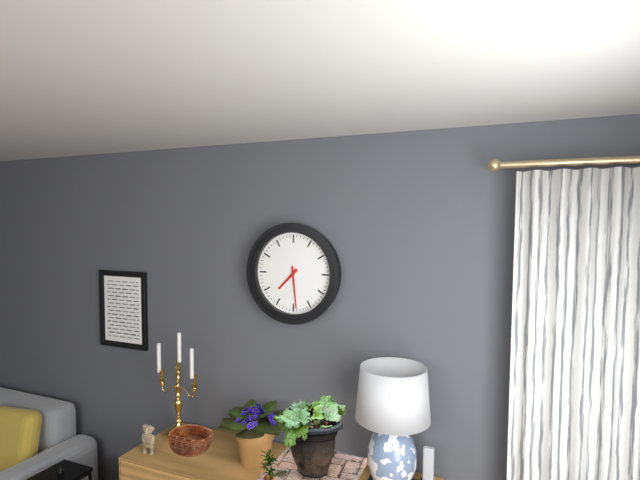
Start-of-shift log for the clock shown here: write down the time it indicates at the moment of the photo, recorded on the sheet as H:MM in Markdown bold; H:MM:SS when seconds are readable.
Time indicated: **7:29**
